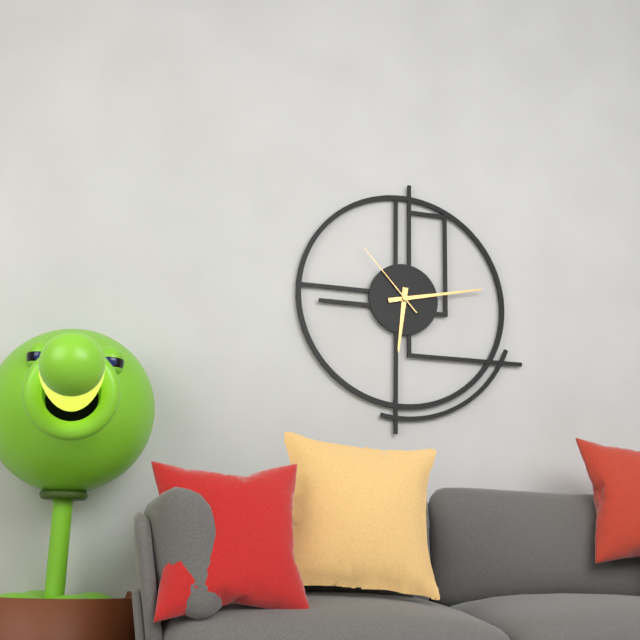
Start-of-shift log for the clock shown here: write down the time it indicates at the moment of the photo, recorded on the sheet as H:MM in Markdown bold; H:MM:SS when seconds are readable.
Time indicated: **6:13:53**
